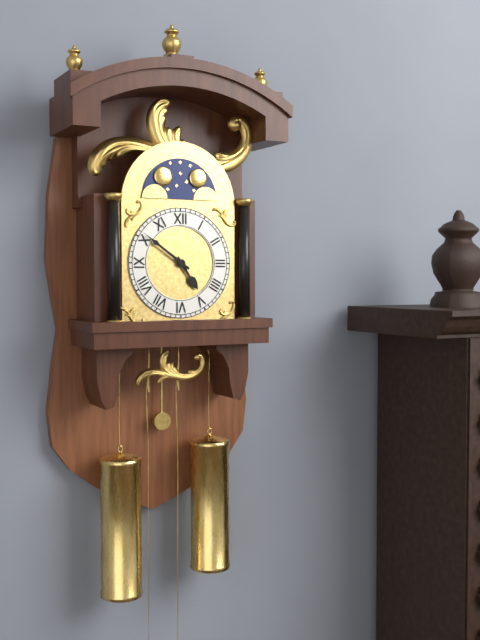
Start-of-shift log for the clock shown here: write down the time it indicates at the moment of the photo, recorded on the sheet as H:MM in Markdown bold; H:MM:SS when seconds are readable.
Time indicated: **4:51**
